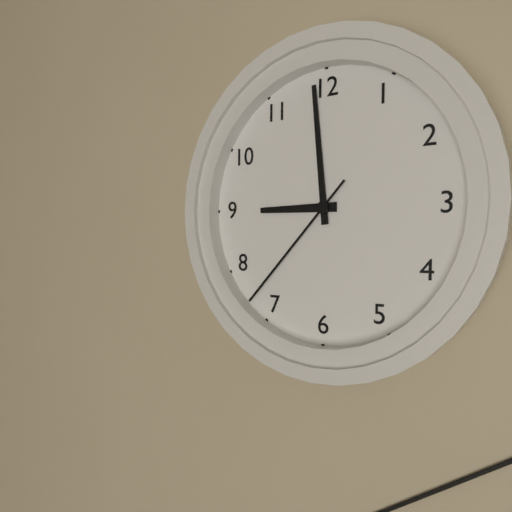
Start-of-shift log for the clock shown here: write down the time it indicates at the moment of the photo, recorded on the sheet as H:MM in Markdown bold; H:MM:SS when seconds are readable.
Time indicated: **8:59:37**
